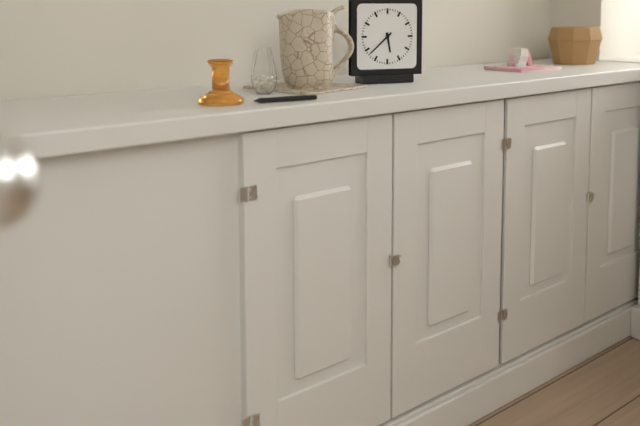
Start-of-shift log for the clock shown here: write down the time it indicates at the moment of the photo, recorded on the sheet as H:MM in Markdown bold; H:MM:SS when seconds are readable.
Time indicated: **5:38**
